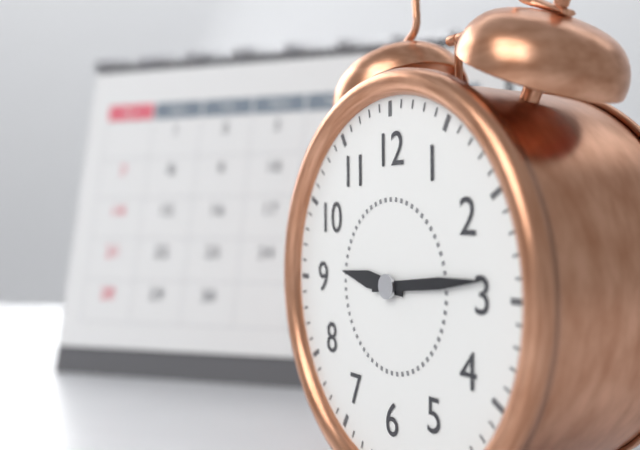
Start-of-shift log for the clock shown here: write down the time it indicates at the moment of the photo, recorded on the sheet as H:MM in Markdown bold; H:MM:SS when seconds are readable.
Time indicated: **9:14**
